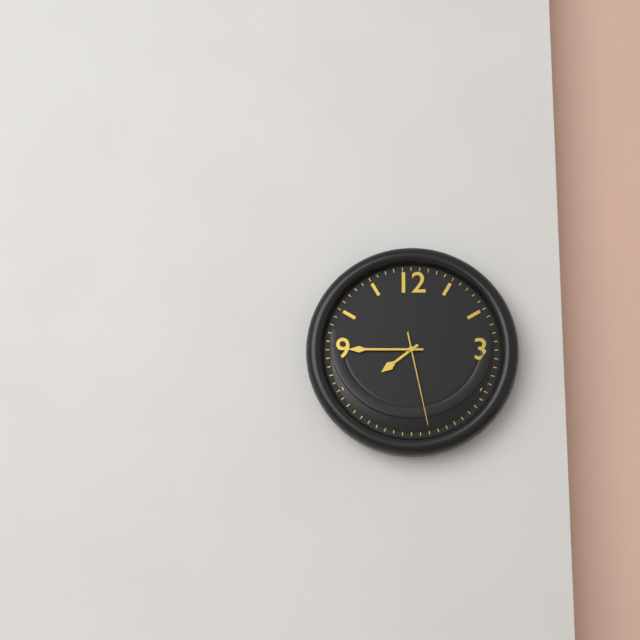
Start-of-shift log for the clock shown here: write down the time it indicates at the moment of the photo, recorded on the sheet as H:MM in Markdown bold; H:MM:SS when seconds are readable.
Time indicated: **7:45:28**
